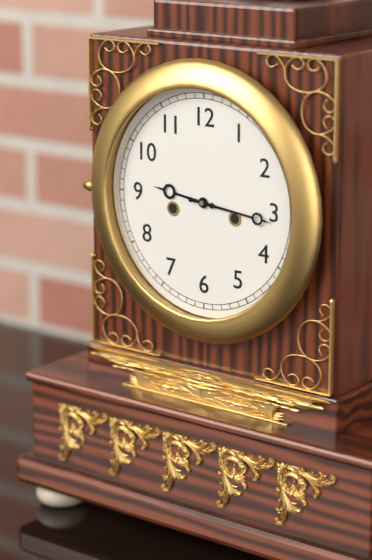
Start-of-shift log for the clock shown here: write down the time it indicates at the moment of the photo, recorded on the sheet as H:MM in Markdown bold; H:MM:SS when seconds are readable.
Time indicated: **9:16**
